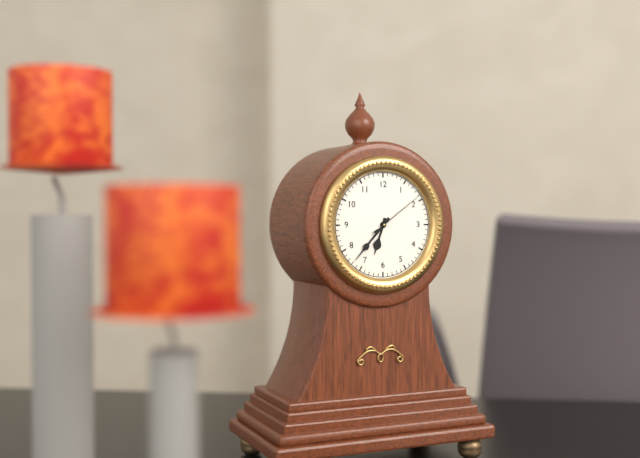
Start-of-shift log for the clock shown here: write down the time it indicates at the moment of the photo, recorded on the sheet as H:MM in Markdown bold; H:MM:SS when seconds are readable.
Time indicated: **6:37:09**
